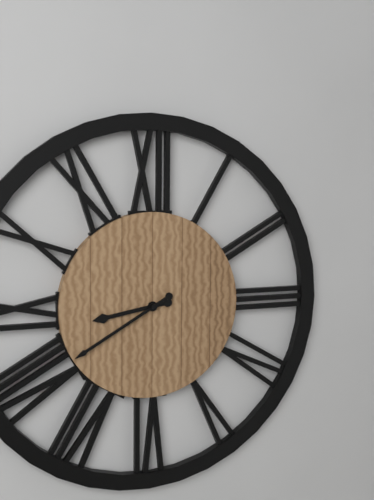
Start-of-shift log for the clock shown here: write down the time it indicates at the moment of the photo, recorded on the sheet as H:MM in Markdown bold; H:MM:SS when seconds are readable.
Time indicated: **8:40**
